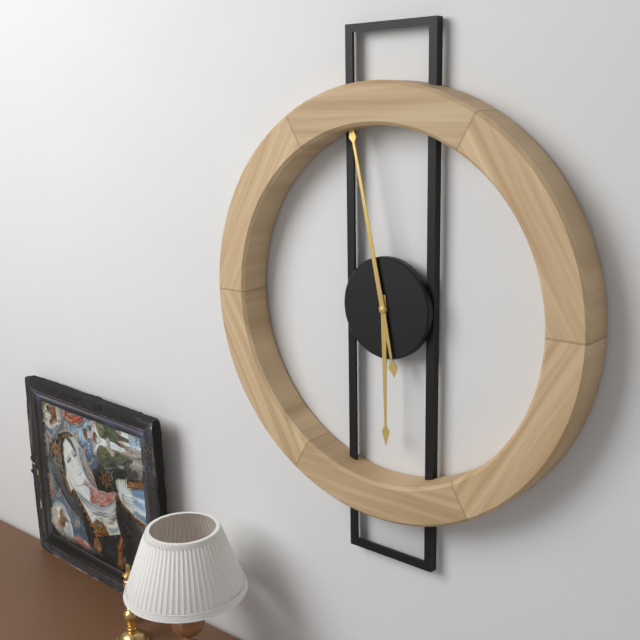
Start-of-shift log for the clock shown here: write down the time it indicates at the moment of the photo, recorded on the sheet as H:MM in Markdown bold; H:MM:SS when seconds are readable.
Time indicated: **5:58**
